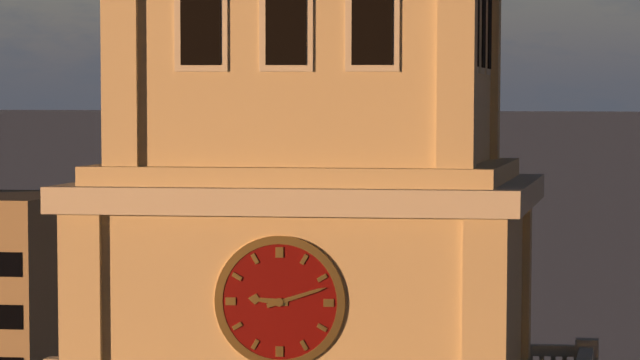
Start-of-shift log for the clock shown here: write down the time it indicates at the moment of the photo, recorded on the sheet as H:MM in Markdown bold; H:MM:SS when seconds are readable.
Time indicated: **9:12**
